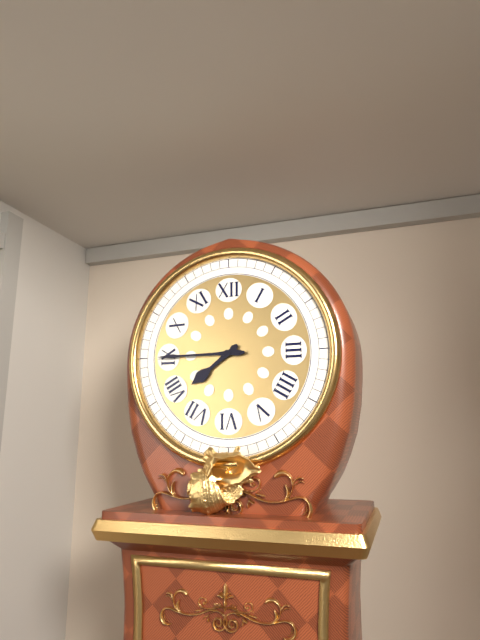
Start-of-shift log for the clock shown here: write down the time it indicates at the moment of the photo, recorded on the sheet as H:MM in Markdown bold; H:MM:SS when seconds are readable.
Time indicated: **7:45**
